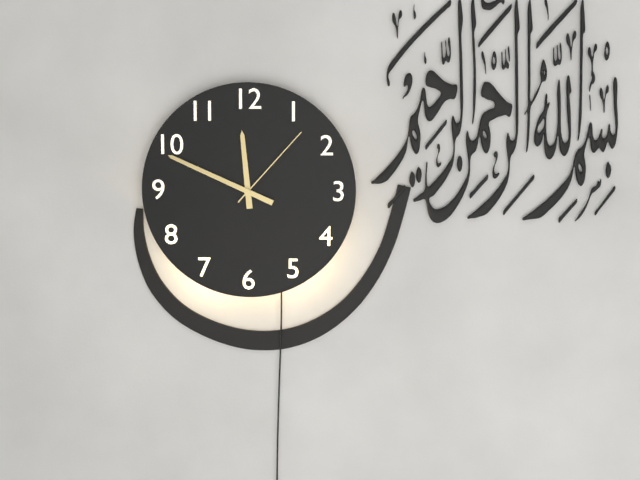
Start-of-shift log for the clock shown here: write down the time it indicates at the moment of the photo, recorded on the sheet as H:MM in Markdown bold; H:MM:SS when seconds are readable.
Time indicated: **11:49:07**
